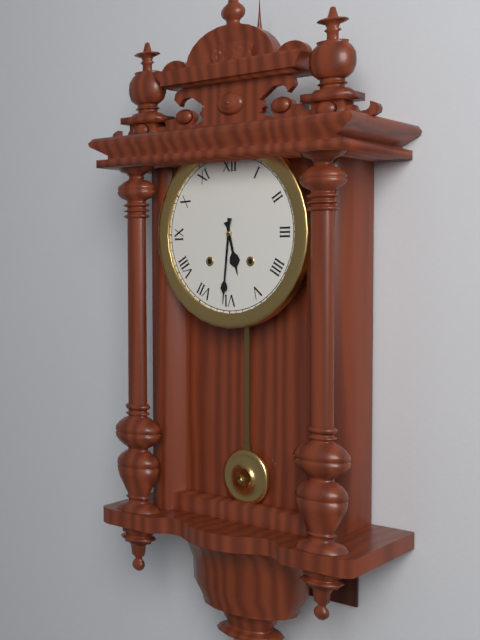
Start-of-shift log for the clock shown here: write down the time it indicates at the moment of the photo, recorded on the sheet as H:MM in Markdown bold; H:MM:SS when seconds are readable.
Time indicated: **5:31**
